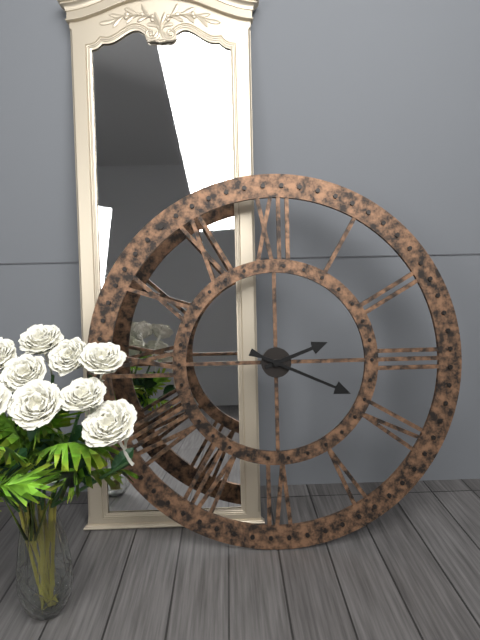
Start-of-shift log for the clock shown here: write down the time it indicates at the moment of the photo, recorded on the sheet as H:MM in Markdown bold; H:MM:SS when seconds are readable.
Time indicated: **2:19**
